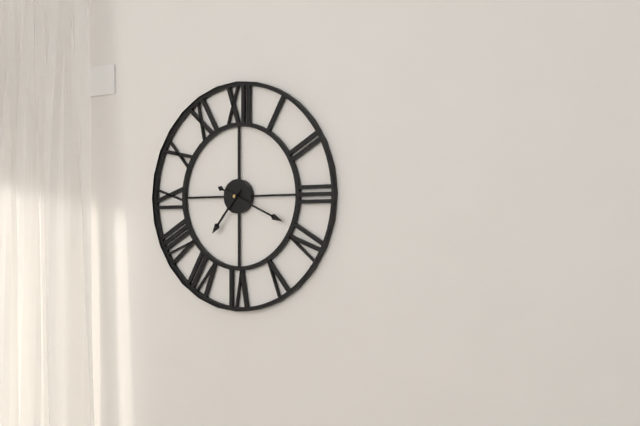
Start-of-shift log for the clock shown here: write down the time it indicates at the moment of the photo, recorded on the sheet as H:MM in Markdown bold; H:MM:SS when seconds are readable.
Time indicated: **7:19**
